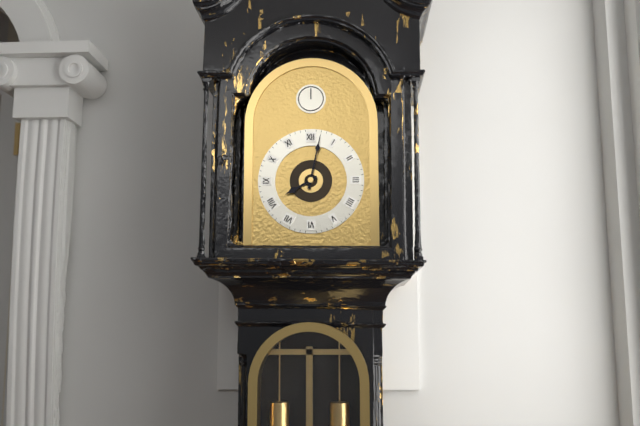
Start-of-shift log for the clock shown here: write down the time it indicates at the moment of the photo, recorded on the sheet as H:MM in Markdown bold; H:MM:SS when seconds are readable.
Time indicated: **8:02**
